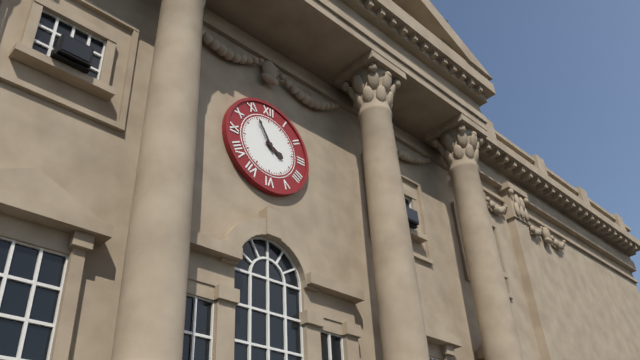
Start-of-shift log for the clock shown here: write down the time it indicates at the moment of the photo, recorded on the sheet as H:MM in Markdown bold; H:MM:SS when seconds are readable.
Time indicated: **3:55**
